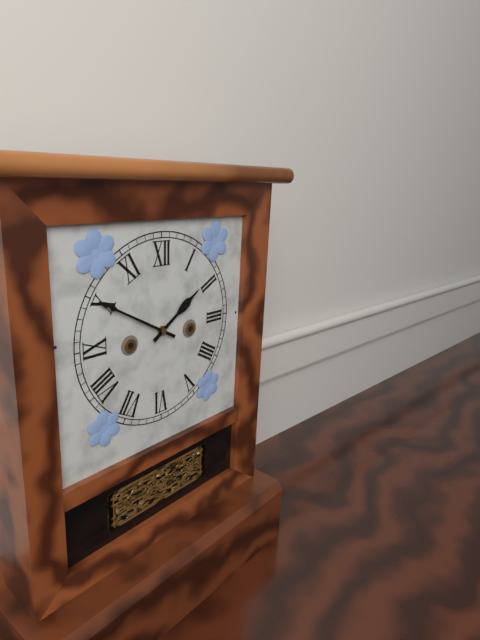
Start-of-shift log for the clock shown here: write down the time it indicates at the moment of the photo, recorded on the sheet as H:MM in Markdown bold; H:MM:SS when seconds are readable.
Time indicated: **1:50**
